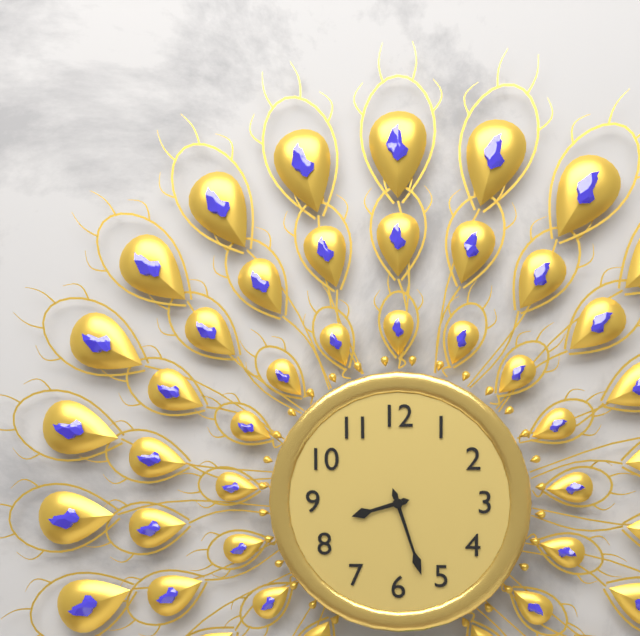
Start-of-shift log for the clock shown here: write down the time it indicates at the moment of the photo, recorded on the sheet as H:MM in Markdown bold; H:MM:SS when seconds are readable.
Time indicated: **8:27**
